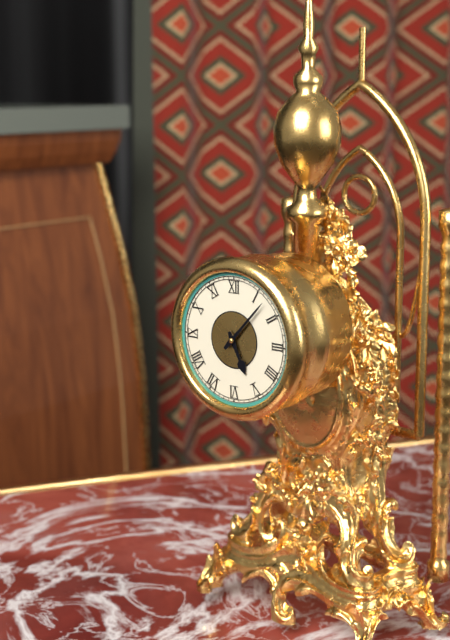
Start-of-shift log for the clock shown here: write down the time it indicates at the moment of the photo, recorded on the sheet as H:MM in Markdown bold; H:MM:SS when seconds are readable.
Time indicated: **5:07**
